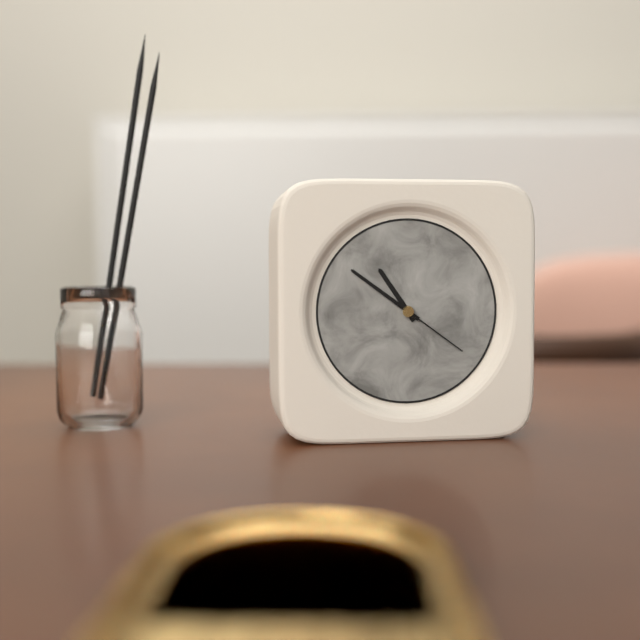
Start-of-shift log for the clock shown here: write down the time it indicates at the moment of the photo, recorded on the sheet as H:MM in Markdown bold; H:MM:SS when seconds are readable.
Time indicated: **10:51:21**
